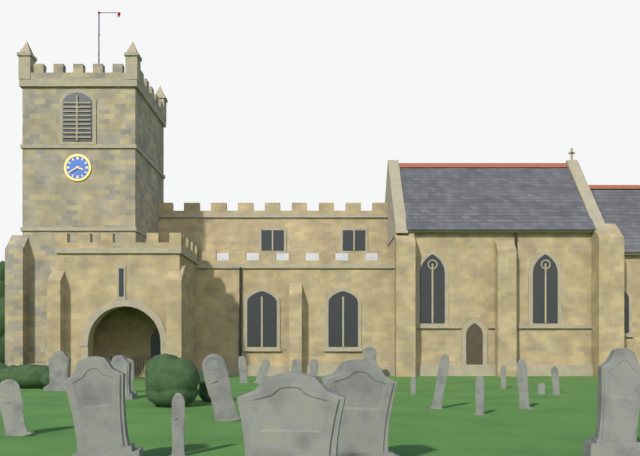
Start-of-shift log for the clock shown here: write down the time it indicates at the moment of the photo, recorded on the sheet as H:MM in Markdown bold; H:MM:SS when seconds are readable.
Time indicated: **3:40**
